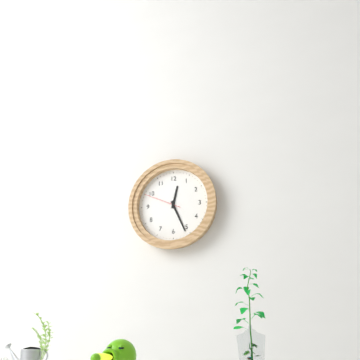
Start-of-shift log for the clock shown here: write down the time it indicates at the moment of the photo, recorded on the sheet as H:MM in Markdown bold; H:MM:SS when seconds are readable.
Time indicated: **12:26**
